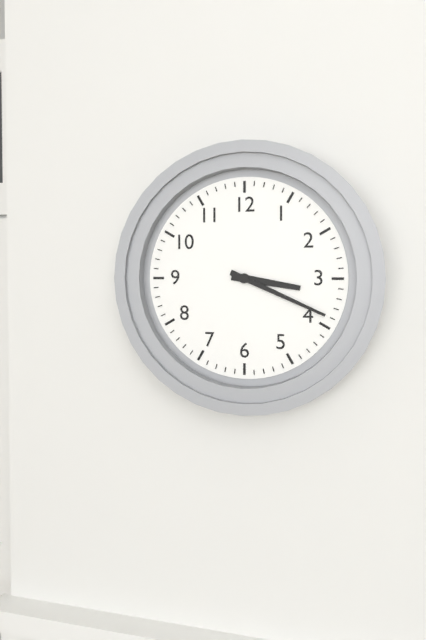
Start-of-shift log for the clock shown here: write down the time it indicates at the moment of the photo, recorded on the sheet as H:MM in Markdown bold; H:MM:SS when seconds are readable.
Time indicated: **3:19**
